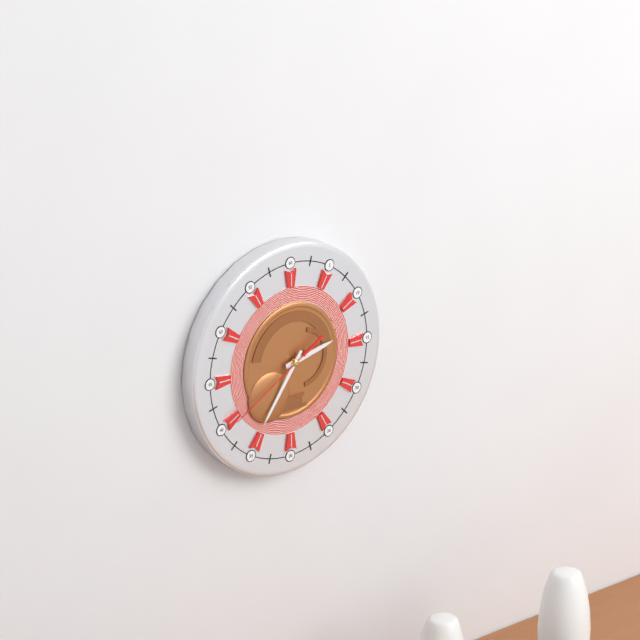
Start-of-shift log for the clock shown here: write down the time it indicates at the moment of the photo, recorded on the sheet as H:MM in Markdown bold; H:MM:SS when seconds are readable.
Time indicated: **2:36:40**
